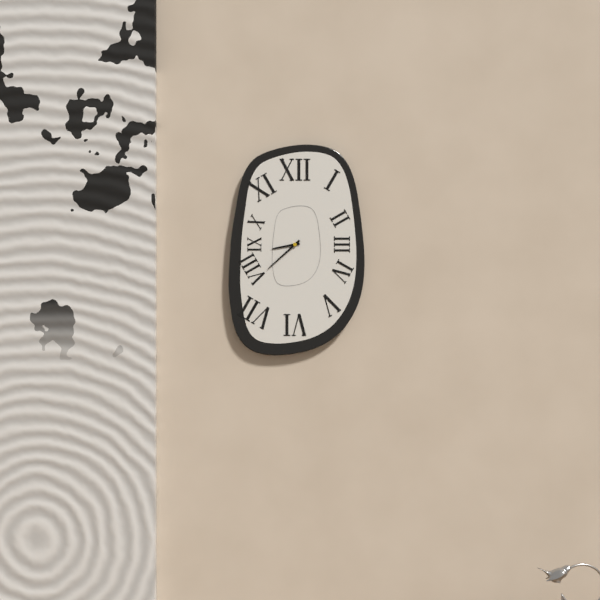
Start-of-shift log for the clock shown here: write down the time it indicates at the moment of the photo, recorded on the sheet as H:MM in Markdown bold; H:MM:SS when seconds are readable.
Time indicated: **8:38**
